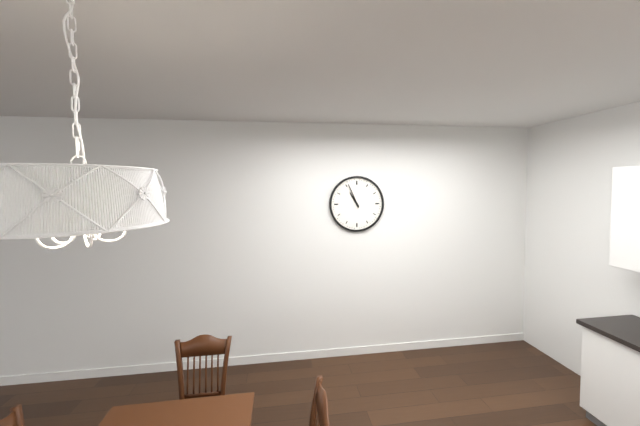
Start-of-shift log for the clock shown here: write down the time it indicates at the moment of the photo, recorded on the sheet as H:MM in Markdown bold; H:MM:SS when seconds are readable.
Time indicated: **10:56**
